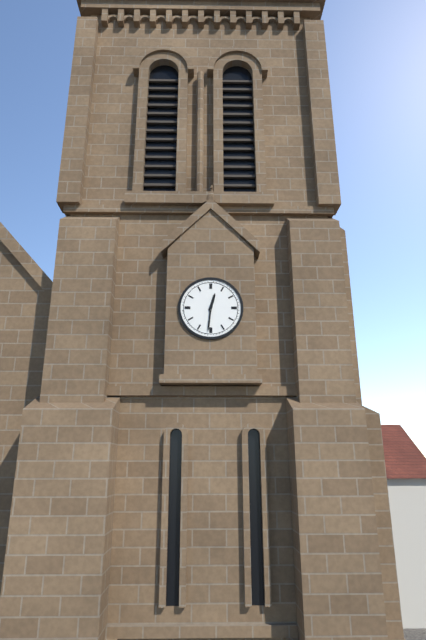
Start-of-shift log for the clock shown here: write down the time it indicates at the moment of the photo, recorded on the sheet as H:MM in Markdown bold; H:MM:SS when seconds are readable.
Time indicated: **12:31**
